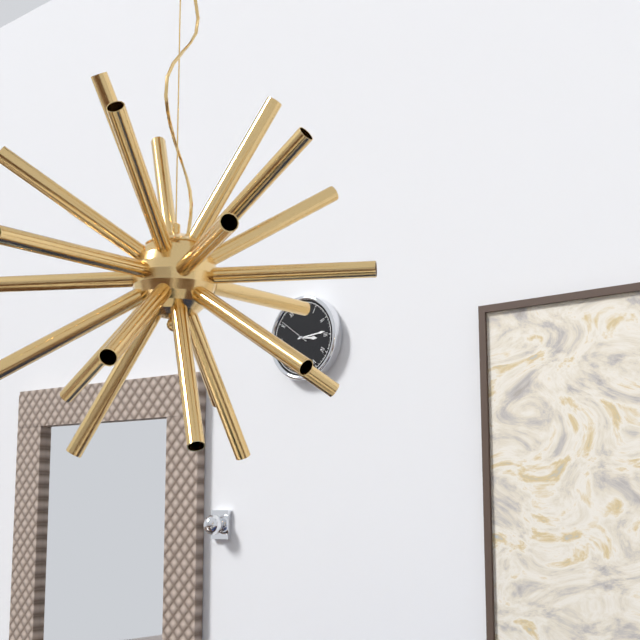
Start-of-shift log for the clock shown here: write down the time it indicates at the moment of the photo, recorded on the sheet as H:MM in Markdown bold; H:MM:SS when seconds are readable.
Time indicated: **3:14**
